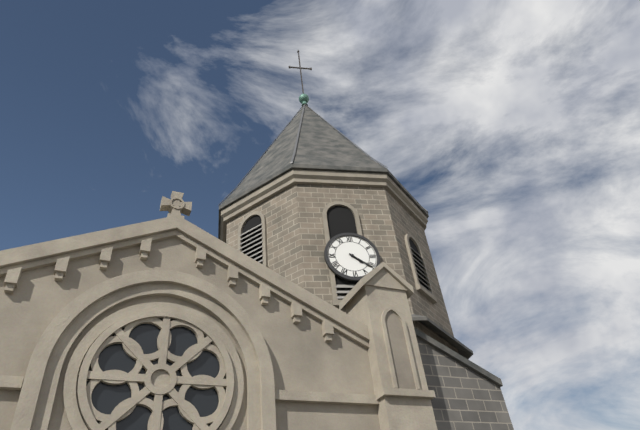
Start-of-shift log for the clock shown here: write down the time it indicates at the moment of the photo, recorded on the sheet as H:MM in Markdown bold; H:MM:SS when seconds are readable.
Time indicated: **4:21**
